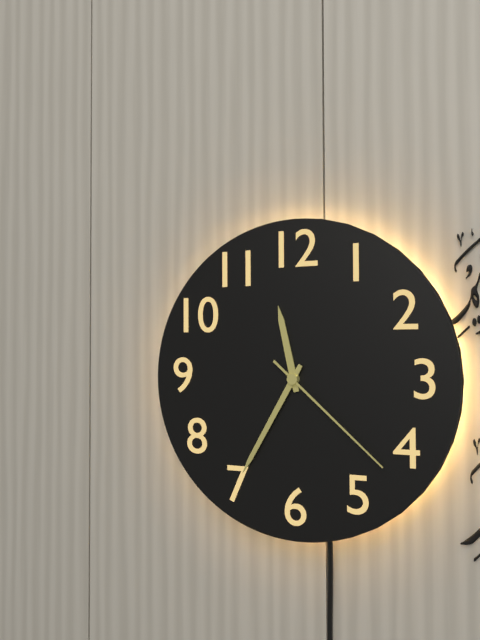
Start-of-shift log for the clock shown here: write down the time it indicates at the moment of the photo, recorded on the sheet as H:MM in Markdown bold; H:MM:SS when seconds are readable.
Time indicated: **11:35:22**
